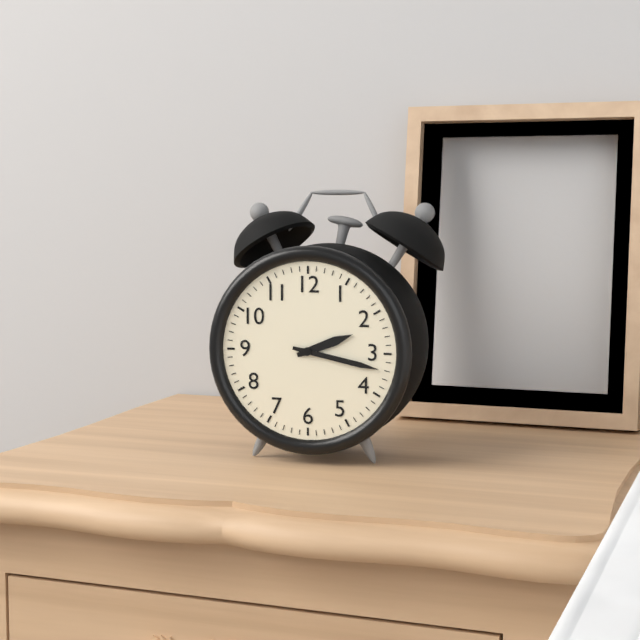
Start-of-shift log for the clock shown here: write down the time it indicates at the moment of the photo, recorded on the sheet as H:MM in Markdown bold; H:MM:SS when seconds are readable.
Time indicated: **2:17**
